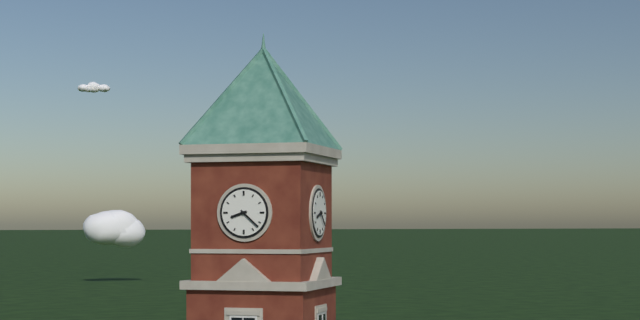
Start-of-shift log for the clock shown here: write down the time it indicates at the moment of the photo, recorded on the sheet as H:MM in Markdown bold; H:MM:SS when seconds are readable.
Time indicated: **8:22**
